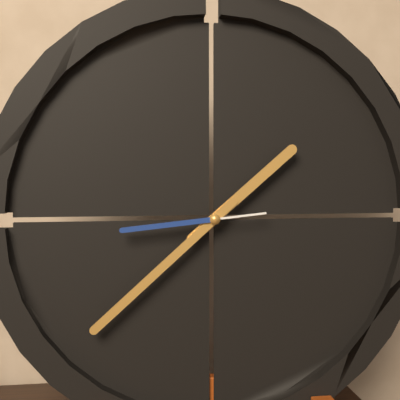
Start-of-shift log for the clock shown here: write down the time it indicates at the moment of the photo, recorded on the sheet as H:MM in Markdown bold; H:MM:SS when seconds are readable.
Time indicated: **1:38:44**
